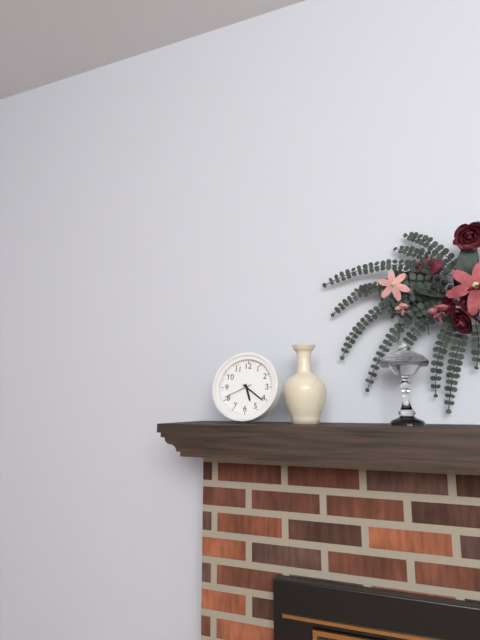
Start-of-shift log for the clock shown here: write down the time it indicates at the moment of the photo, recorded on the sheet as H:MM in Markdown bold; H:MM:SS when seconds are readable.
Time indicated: **5:21**
